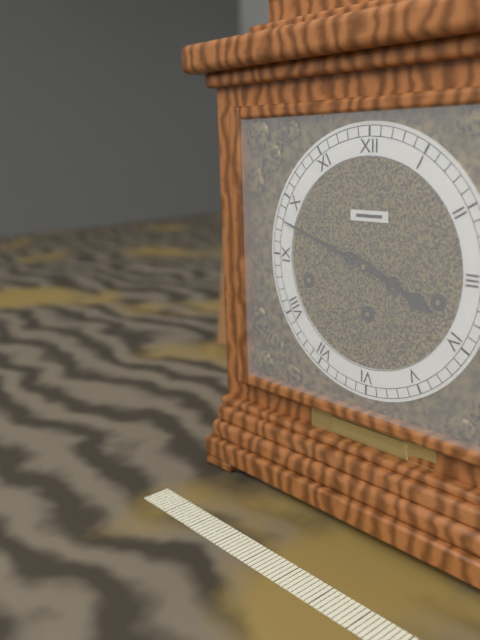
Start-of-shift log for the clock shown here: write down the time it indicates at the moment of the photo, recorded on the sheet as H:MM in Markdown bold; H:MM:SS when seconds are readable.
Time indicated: **3:48**
